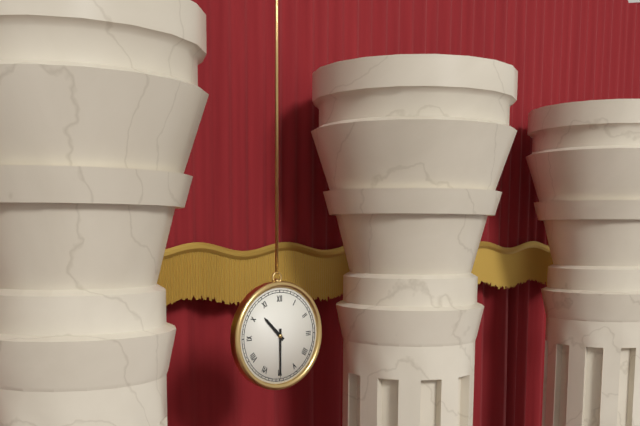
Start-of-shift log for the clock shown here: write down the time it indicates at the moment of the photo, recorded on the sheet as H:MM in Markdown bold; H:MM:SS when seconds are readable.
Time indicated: **10:30**
